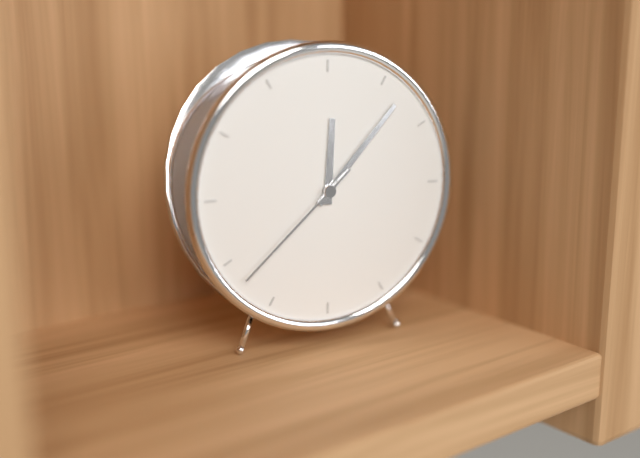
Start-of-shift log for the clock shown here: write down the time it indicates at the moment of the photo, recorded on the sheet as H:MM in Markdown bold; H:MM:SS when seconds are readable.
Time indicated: **12:07:38**
